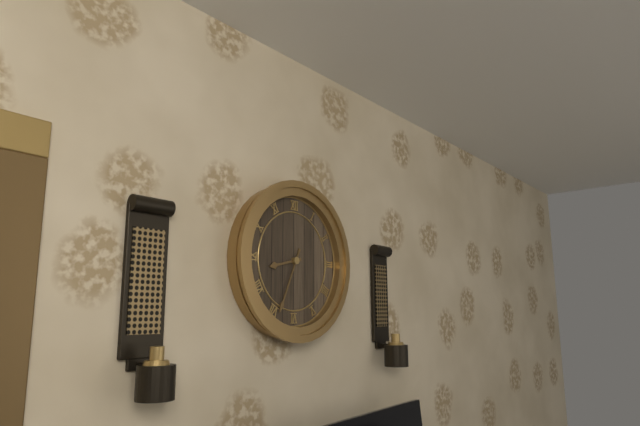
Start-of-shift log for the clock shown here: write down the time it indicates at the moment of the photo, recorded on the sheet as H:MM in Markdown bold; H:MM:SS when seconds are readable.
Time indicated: **8:34**
